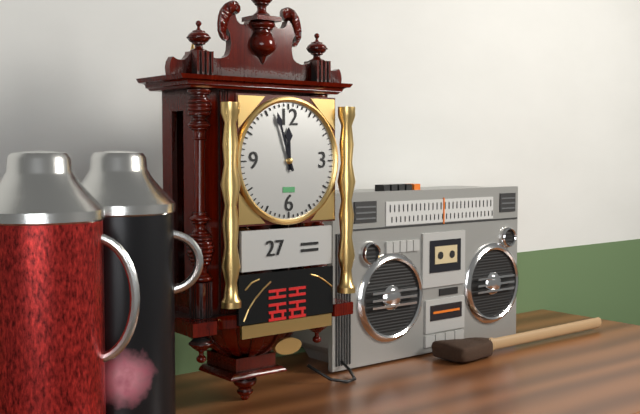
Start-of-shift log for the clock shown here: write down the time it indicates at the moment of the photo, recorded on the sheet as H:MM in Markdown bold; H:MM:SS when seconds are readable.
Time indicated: **11:57**
